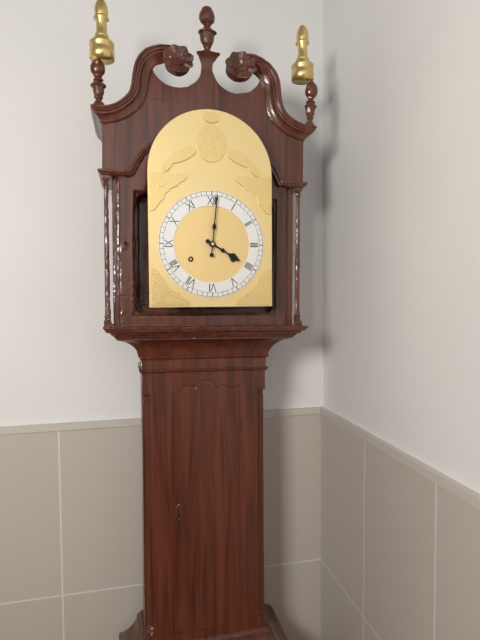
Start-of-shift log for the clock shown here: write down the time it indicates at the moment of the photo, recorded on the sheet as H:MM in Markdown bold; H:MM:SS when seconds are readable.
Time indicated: **4:01**
